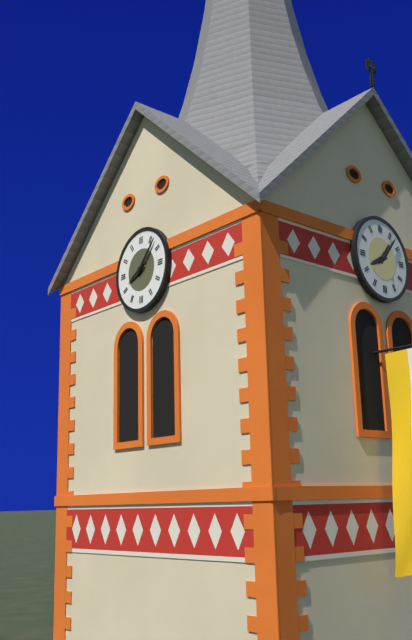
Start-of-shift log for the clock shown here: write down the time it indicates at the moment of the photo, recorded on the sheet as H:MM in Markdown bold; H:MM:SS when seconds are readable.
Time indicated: **8:07**
